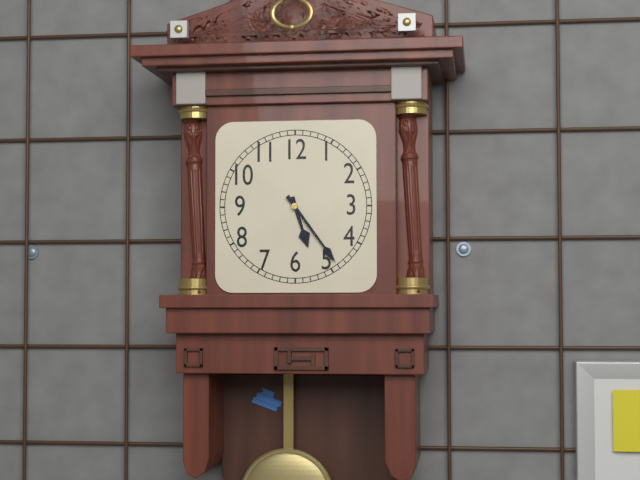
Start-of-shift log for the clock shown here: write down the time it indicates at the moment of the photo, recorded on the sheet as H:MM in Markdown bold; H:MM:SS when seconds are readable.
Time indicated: **5:24**
